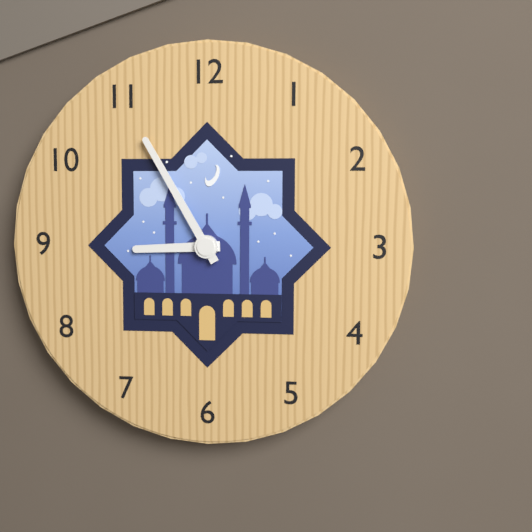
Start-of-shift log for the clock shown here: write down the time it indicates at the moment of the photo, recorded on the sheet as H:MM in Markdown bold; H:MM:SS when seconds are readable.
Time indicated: **8:55**
